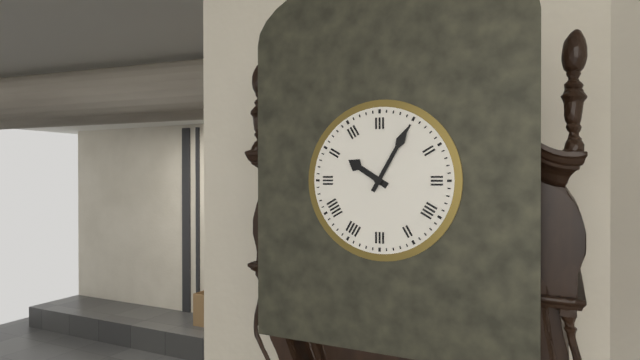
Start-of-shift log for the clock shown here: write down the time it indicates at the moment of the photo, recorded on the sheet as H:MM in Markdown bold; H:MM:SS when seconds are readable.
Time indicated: **10:05**
